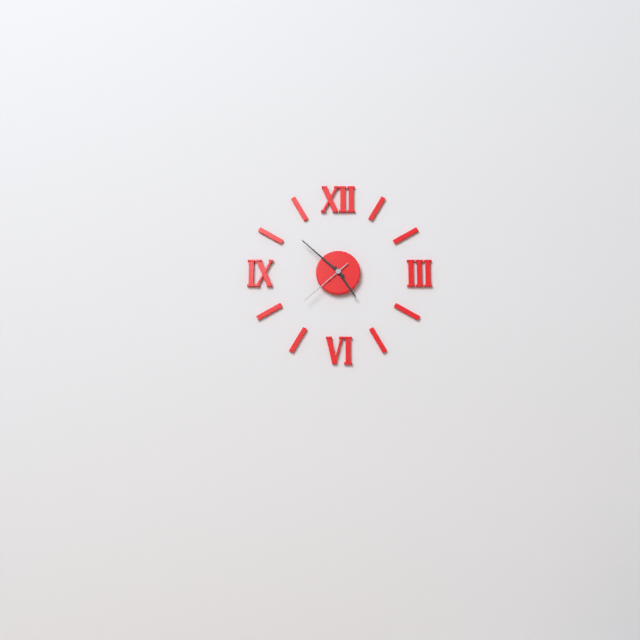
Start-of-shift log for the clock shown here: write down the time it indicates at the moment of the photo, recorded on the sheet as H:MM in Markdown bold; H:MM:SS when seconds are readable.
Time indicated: **4:52:38**
